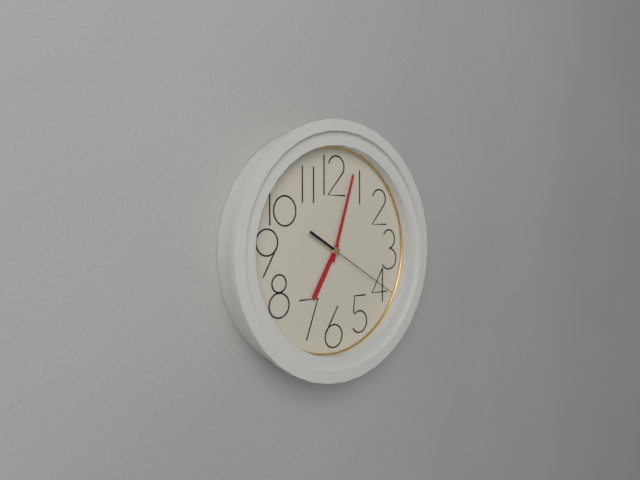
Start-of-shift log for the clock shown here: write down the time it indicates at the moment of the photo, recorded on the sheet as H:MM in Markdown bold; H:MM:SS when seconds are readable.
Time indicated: **7:03:20**
